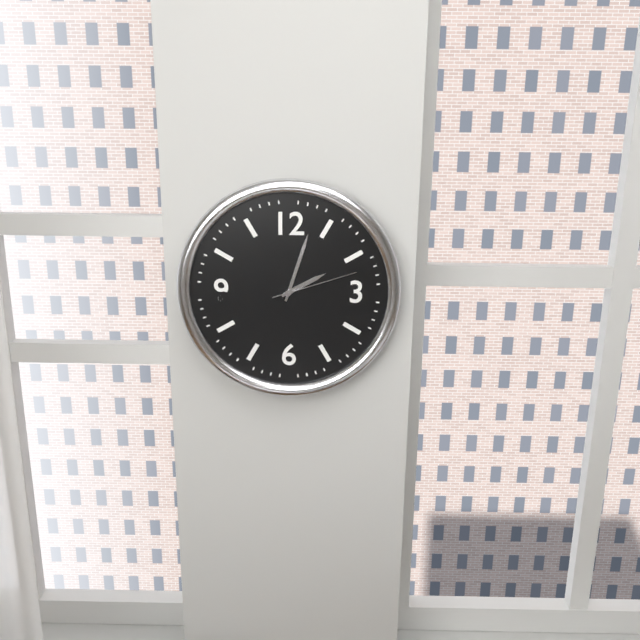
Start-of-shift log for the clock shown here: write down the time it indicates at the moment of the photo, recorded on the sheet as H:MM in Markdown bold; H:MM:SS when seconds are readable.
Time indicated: **2:03:12**
